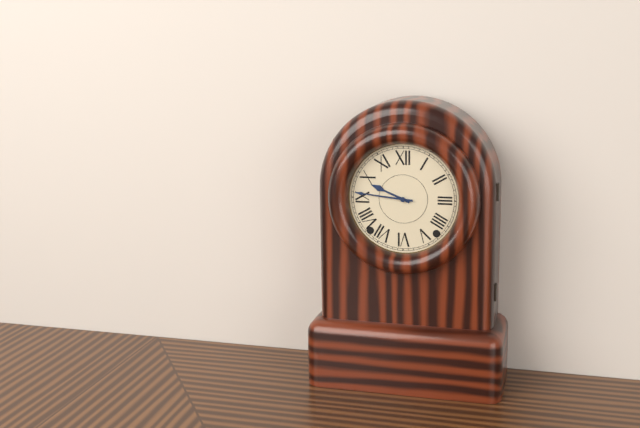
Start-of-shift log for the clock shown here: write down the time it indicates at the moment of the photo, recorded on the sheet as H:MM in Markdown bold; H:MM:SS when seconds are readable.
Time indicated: **9:46**
